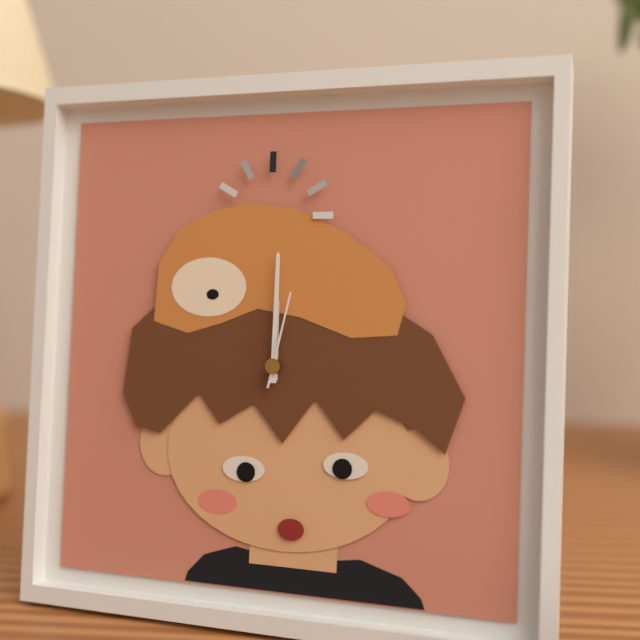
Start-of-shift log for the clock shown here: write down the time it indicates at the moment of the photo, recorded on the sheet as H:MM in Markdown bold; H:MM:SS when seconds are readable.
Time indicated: **12:00:02**
